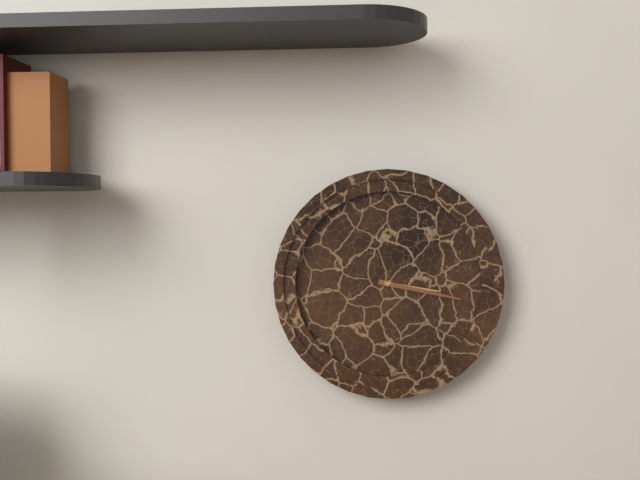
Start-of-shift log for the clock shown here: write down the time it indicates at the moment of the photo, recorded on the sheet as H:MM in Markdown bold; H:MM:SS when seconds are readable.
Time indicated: **3:17**
